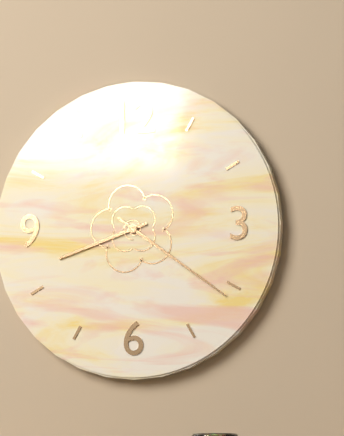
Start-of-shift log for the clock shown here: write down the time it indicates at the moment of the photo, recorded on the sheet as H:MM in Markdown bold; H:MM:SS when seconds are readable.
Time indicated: **8:21**
